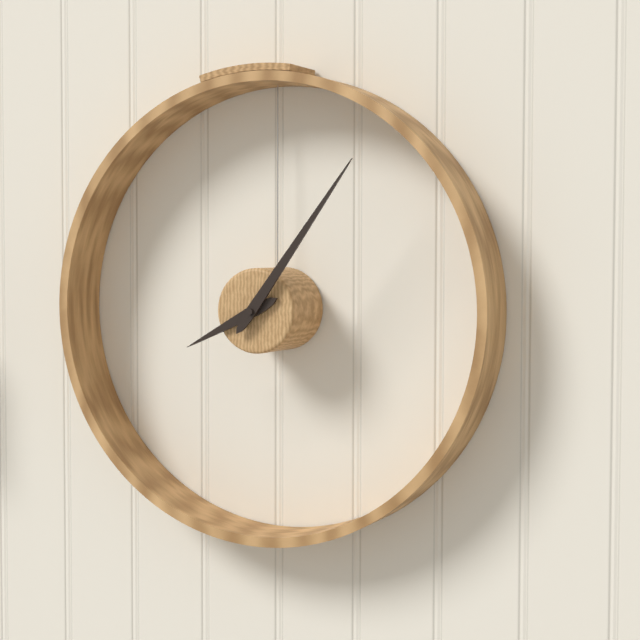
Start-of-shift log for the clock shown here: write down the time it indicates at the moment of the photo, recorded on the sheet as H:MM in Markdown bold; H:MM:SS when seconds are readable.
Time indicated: **8:06**
